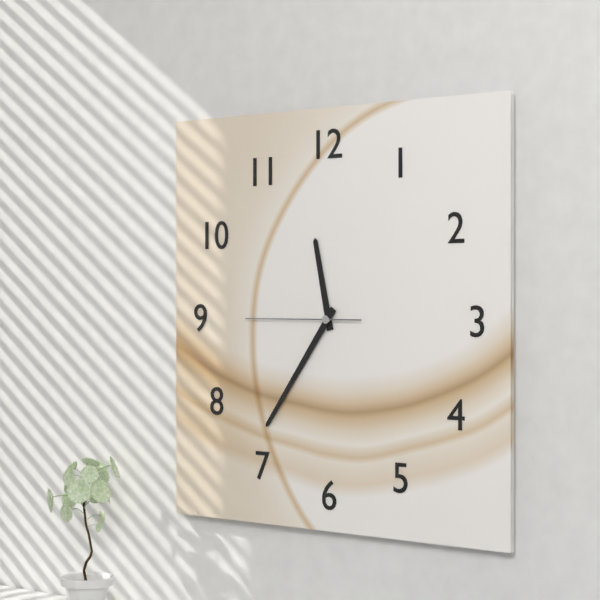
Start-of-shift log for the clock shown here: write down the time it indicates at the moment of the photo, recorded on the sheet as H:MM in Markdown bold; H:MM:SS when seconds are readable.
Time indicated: **11:36:45**
